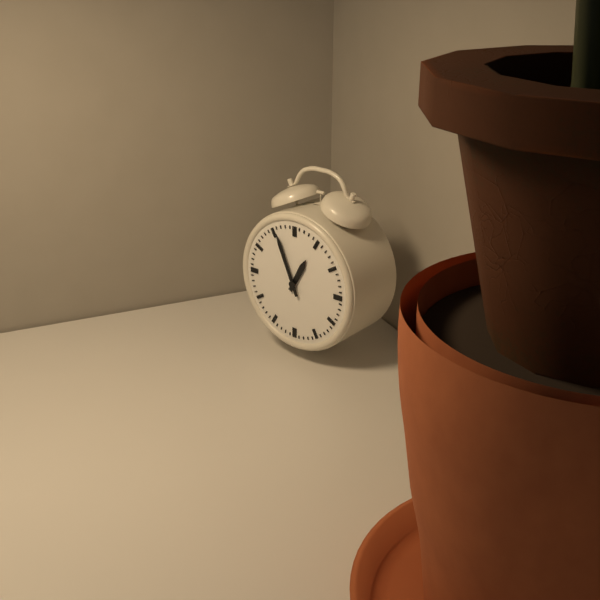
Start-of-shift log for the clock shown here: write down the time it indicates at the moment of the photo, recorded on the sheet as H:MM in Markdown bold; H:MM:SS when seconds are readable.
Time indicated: **12:56**
